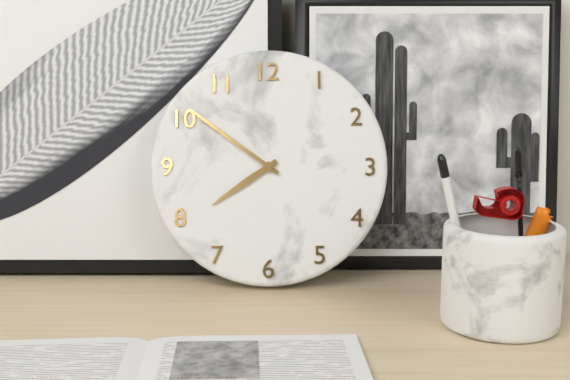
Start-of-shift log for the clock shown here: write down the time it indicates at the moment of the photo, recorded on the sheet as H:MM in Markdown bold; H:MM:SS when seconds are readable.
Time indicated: **7:51**
